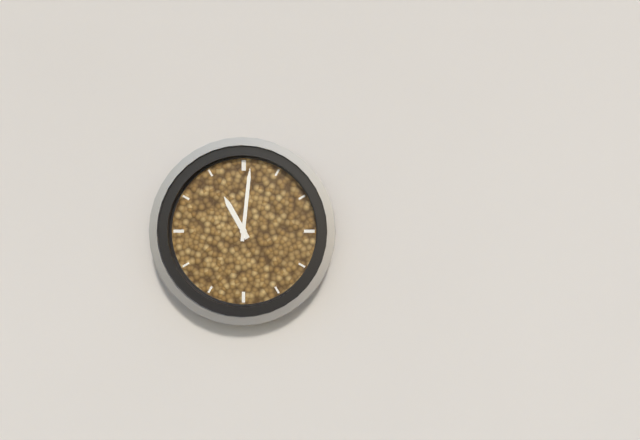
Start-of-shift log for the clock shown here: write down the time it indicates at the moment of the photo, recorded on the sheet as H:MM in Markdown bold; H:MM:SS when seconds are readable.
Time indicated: **11:01**
